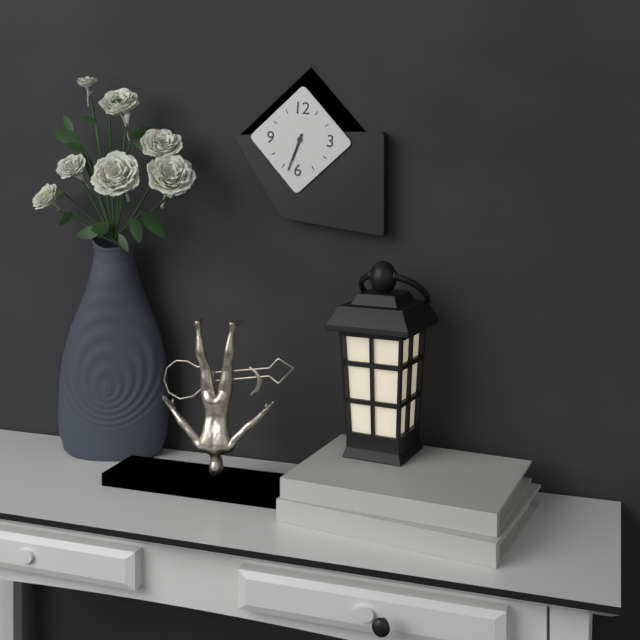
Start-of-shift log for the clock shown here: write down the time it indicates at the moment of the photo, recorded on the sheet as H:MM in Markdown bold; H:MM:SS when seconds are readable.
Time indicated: **6:33**
